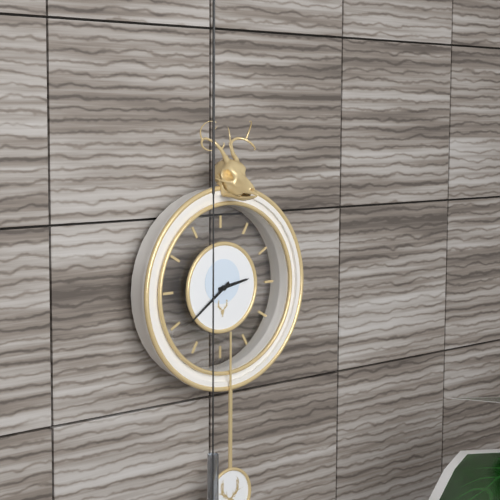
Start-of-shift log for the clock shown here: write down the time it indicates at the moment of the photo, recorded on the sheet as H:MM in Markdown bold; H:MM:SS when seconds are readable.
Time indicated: **2:39**
